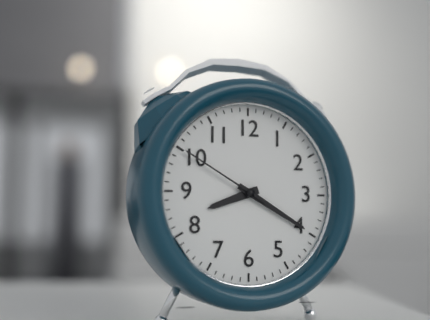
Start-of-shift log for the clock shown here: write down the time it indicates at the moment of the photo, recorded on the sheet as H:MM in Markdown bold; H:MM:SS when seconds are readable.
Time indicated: **8:20:50**
